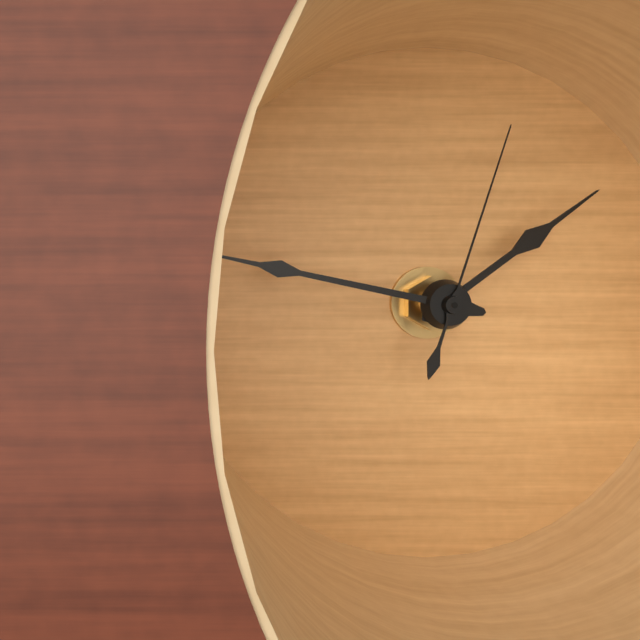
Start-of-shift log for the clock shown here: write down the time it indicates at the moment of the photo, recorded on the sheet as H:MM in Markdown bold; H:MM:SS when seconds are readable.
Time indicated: **1:47:03**
